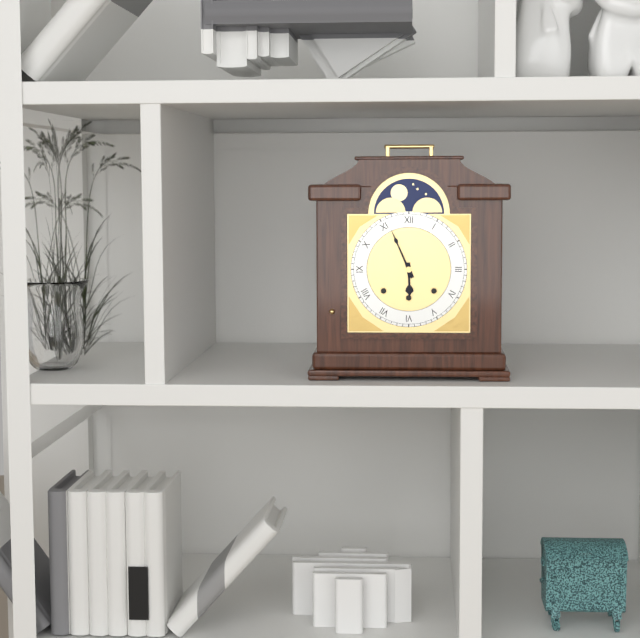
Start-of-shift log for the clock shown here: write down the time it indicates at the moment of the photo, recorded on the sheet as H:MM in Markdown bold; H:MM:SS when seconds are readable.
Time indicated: **5:56**
